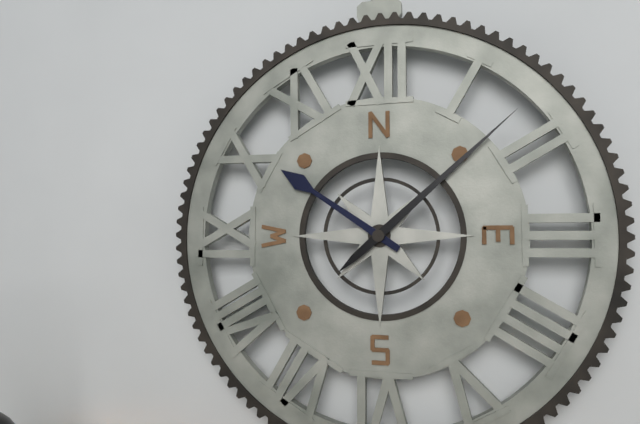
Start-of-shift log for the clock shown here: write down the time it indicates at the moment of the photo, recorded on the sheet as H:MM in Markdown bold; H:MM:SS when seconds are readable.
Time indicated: **10:08**
